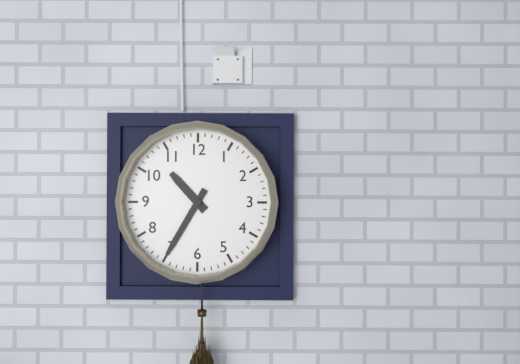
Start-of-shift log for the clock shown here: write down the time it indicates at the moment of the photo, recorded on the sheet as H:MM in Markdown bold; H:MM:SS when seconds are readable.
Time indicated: **10:35**
